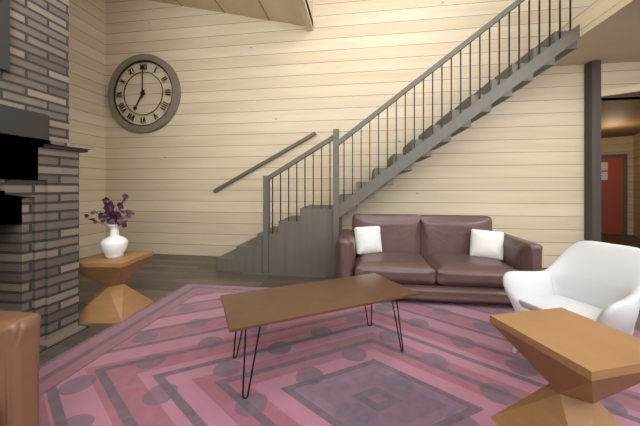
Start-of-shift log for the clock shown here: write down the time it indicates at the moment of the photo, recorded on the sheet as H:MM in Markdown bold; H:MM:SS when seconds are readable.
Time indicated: **7:00**
